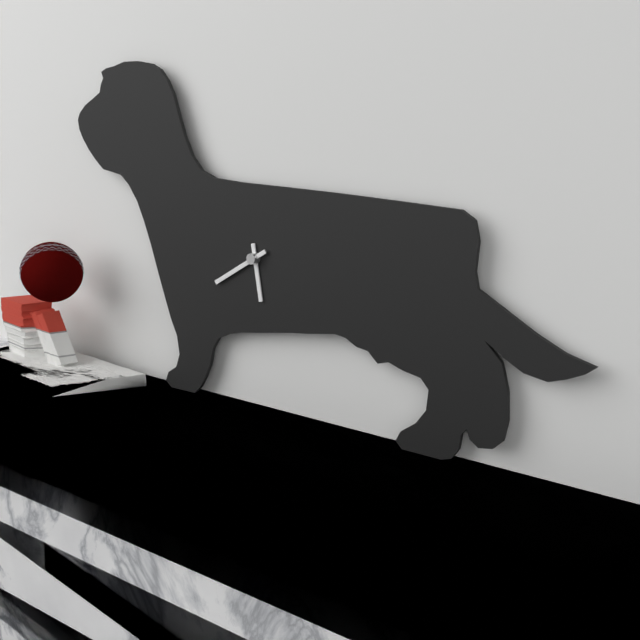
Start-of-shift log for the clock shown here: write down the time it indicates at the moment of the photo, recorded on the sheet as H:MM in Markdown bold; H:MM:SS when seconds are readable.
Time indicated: **5:40**
